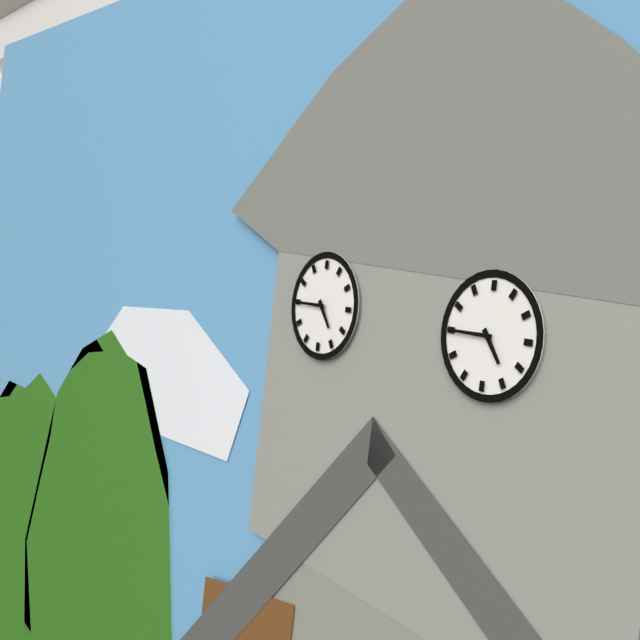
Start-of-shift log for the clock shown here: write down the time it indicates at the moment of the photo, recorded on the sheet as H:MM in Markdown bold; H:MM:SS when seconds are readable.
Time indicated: **4:45**
